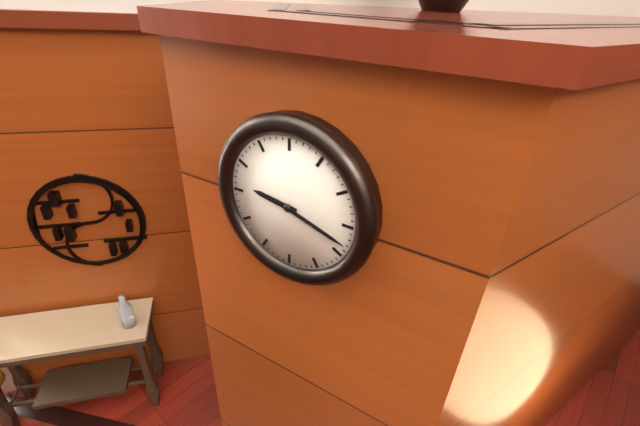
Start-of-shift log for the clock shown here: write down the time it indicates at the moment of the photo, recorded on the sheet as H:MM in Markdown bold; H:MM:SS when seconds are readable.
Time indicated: **9:18**
